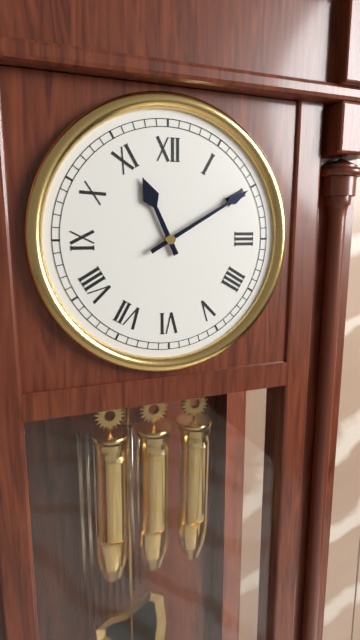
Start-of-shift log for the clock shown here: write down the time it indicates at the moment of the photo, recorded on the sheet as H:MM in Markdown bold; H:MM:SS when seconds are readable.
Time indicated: **11:10**
